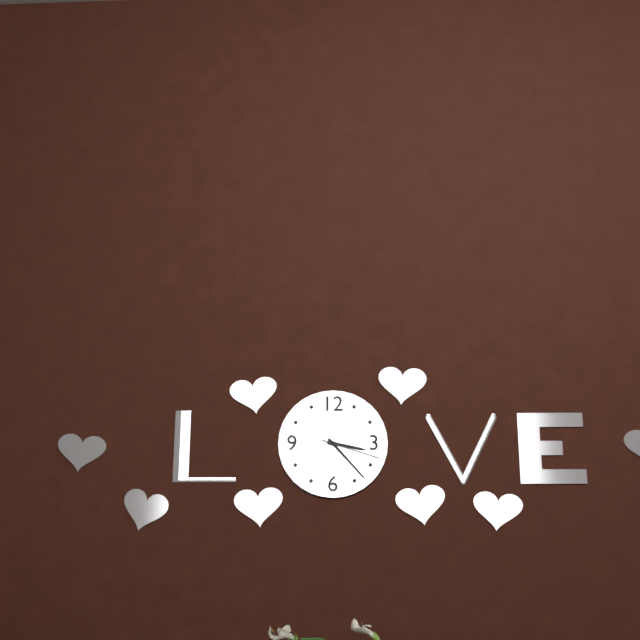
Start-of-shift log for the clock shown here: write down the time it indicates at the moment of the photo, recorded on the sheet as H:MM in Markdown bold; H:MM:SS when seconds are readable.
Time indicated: **3:23:18**
